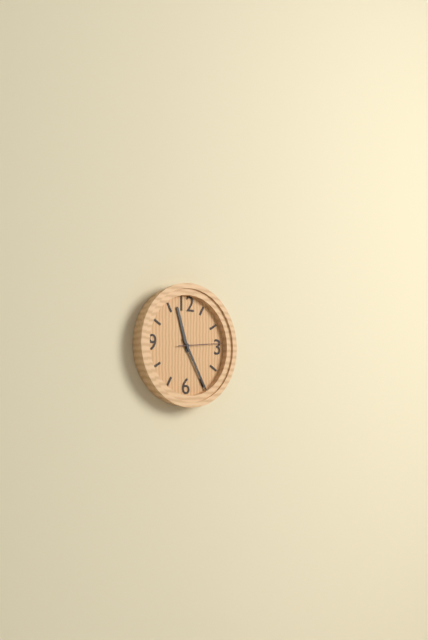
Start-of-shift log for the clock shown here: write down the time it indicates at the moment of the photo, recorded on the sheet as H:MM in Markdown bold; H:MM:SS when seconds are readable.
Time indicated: **11:25**
